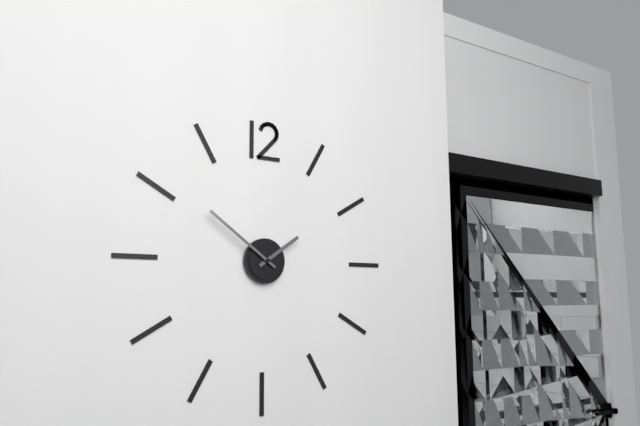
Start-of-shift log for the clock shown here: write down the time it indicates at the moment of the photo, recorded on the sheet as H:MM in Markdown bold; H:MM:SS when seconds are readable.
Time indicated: **1:51**
